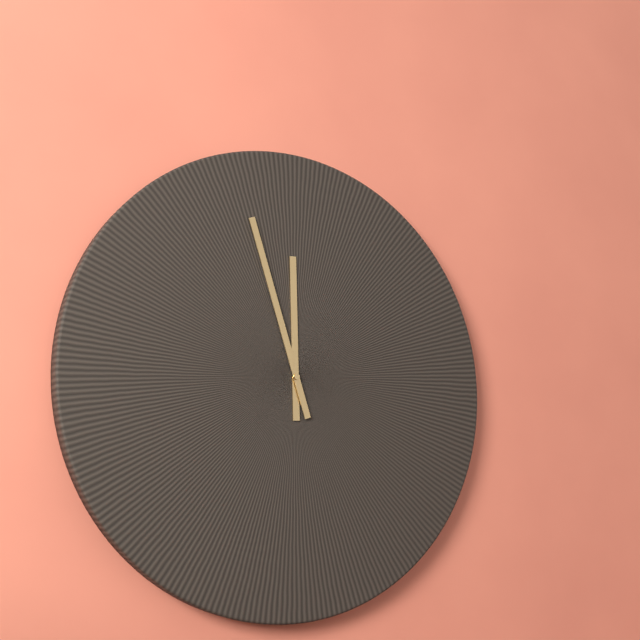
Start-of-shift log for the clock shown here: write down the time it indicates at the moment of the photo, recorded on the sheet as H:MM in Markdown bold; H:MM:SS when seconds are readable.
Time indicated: **11:57**
